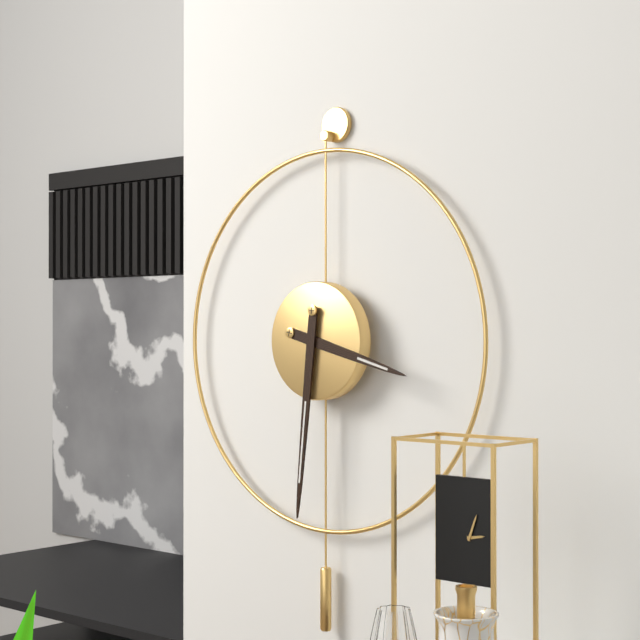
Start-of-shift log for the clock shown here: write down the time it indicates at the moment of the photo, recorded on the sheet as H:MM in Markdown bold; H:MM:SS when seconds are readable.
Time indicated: **3:31**
